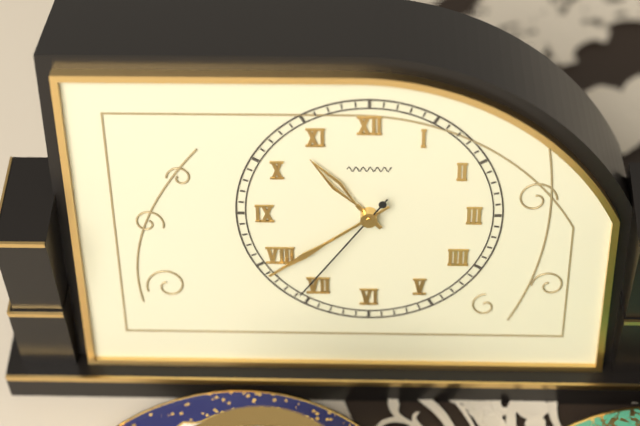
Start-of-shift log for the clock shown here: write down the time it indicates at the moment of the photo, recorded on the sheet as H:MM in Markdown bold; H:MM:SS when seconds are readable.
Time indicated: **10:39:36**
